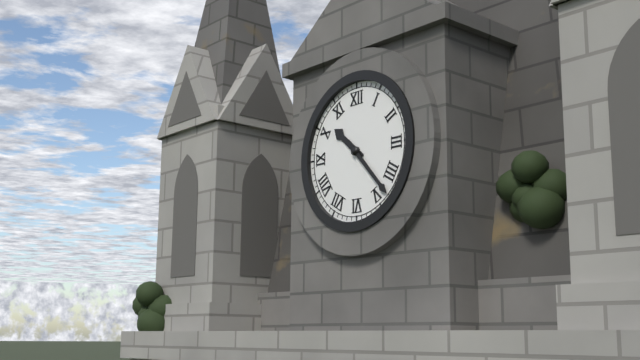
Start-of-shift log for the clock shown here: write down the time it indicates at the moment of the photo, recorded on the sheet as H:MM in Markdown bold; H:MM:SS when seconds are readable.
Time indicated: **10:23**
